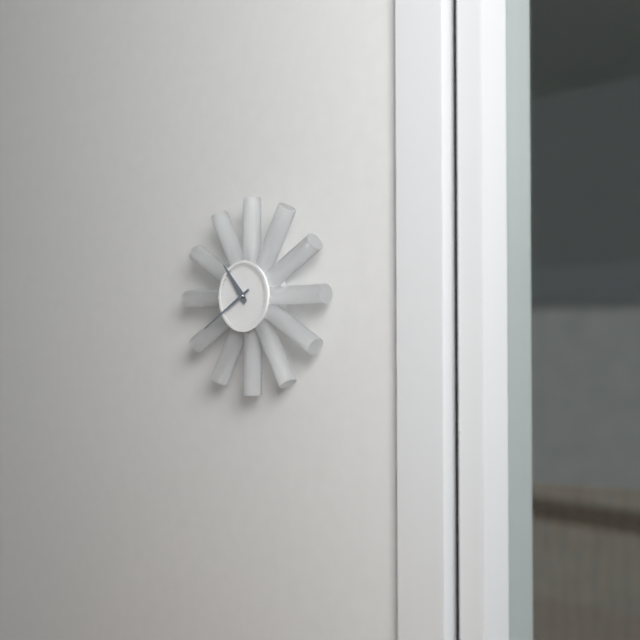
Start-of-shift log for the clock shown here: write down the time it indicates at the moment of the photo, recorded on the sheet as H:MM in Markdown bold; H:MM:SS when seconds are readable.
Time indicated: **10:40**
